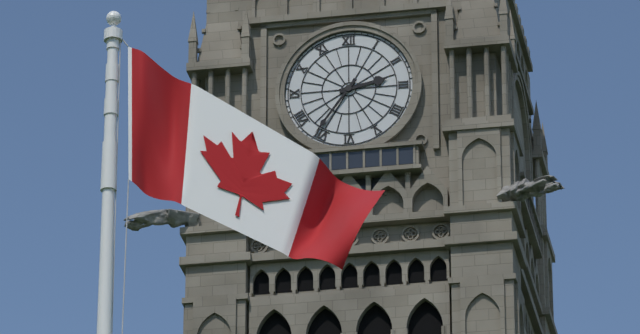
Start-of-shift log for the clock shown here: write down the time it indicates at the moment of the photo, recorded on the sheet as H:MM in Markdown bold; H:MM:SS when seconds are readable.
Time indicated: **2:36**
